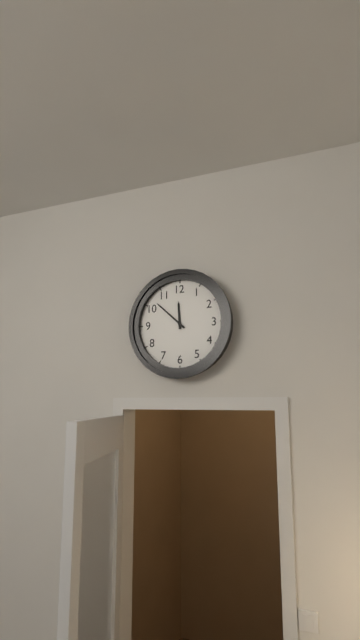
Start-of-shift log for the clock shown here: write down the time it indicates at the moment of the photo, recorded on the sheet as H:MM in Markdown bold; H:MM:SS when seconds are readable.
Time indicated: **11:52**
